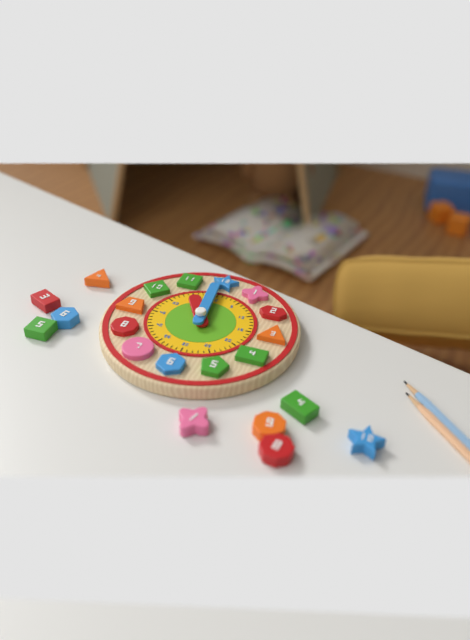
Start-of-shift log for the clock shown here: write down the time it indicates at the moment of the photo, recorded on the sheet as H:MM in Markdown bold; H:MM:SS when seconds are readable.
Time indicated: **10:59**
